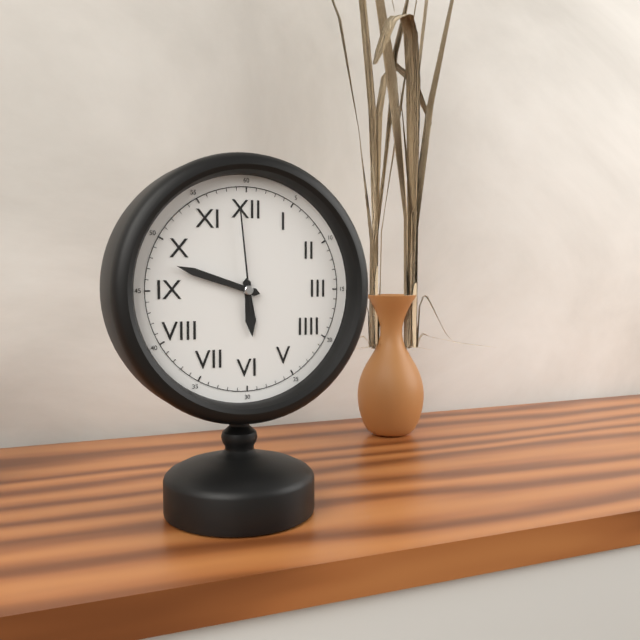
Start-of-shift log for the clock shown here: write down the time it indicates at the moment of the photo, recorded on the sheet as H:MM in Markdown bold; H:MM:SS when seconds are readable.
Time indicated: **5:48:59**
